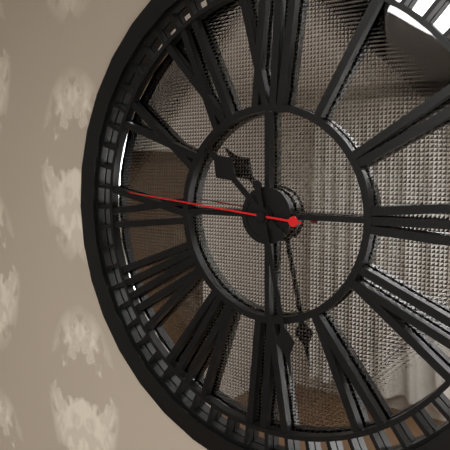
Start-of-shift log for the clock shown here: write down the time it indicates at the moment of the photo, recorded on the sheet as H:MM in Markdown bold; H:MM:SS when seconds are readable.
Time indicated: **10:28:46**
